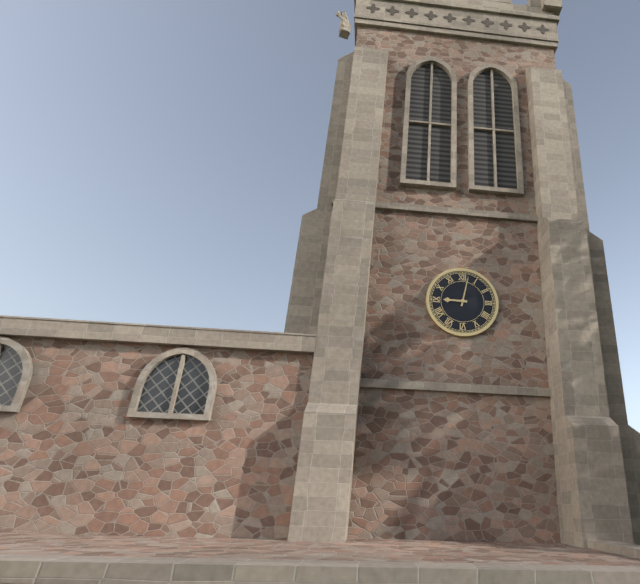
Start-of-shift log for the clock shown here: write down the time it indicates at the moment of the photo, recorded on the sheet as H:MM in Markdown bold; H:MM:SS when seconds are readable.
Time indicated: **9:02**
